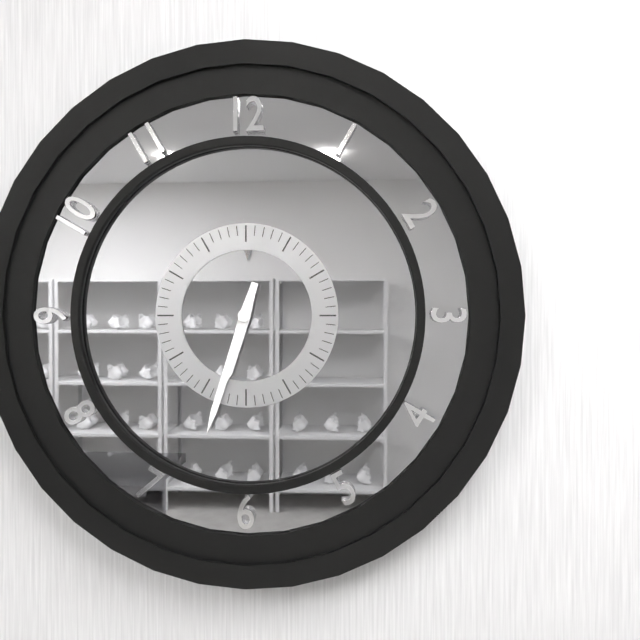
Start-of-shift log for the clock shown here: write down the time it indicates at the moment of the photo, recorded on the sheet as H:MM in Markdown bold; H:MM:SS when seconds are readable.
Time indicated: **6:33**
